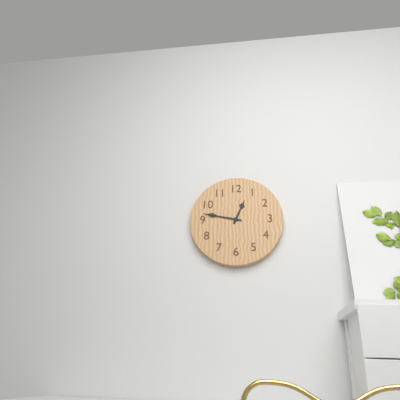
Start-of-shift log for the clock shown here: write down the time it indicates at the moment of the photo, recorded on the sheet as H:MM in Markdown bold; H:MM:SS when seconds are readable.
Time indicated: **12:47**
